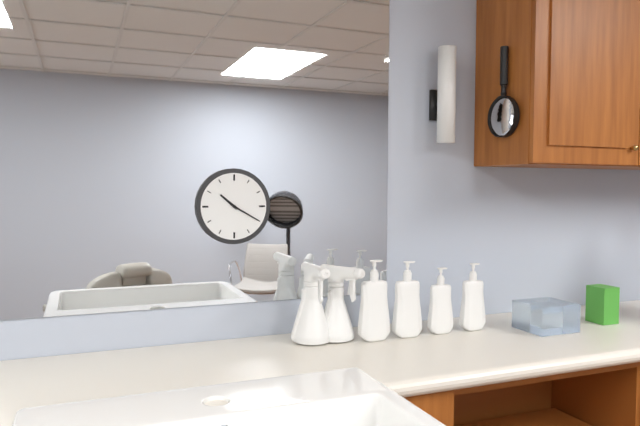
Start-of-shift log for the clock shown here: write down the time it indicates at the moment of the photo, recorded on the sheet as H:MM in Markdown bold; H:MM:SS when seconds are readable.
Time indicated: **10:20**
